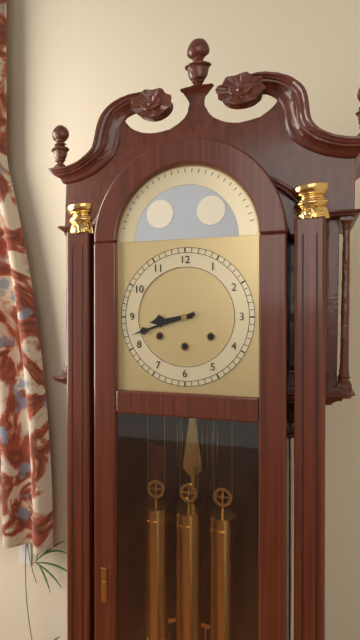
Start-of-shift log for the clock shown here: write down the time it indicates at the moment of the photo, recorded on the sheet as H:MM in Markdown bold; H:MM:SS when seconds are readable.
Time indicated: **8:42**
